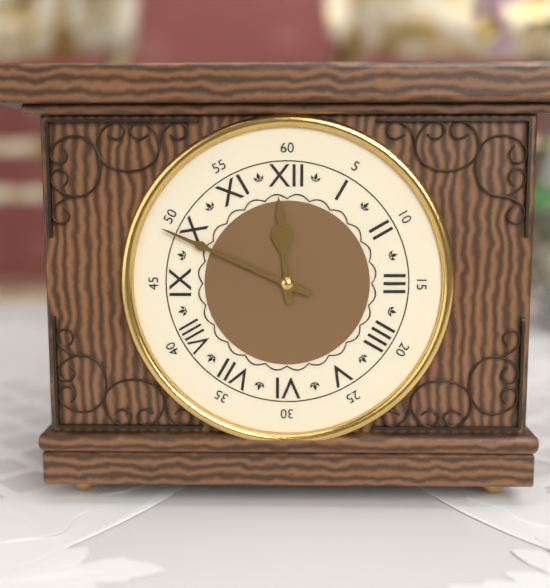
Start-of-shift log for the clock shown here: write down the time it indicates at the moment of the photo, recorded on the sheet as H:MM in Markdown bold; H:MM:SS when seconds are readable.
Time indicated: **11:49**
